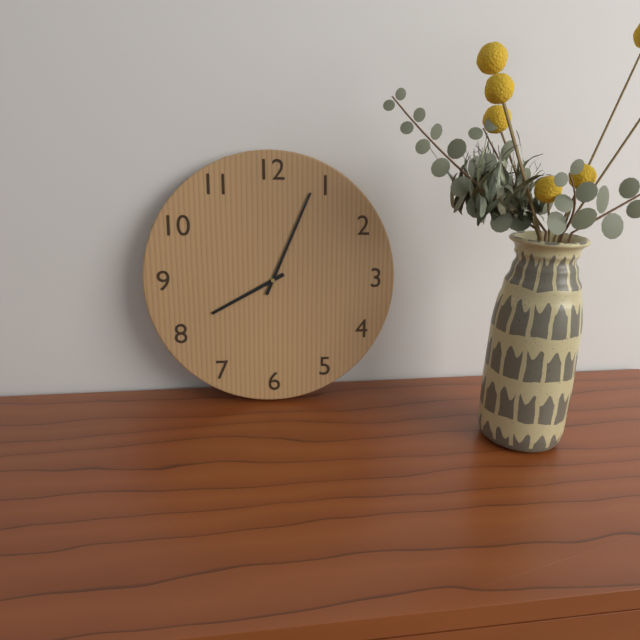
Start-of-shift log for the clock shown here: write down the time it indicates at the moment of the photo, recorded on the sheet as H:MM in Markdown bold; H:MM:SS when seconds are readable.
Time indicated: **8:04**
